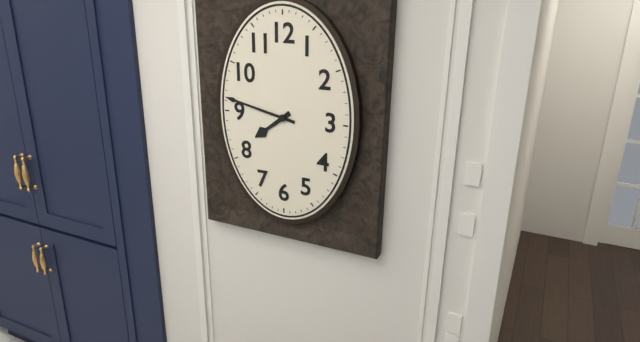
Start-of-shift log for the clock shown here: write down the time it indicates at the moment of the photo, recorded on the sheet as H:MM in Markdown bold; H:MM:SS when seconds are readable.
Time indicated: **7:47**
